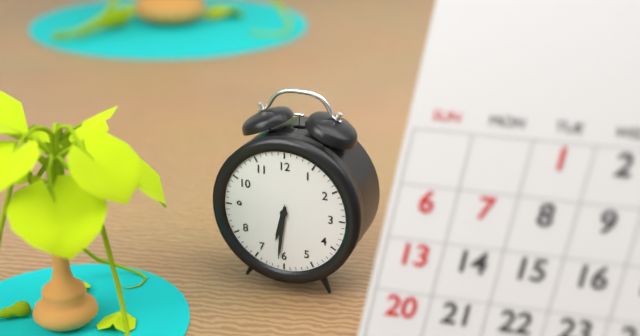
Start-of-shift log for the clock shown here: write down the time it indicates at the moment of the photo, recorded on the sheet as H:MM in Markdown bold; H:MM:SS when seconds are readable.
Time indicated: **6:31**
